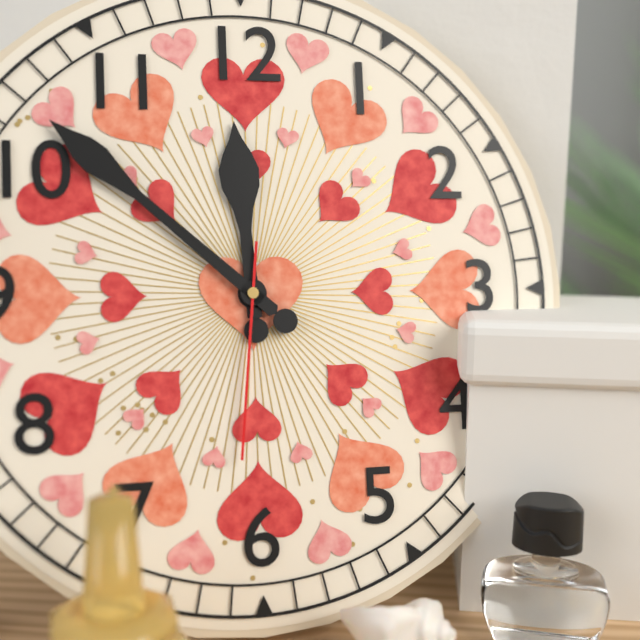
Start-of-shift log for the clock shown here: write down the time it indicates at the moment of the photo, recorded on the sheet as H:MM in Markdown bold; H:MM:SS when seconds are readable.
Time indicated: **11:52:31**
